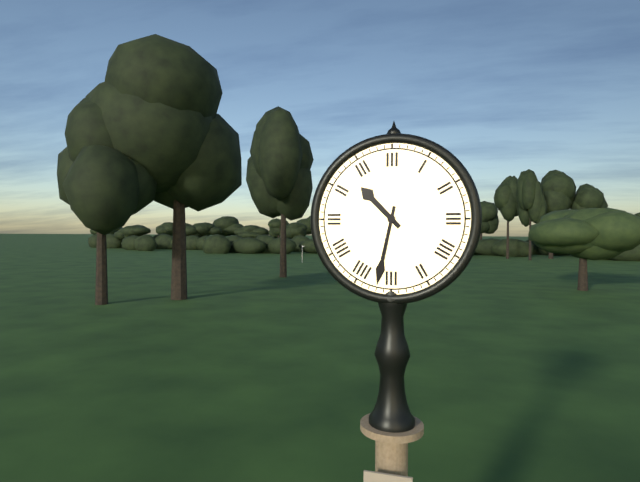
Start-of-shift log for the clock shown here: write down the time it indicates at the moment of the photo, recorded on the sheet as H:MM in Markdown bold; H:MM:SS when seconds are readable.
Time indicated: **10:32**
